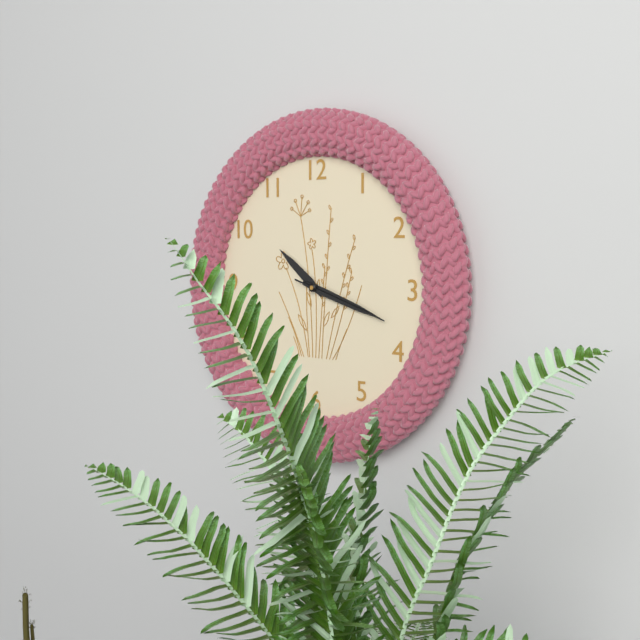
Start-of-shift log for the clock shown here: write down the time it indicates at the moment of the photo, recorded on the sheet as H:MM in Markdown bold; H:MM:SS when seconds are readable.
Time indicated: **10:18:18**
